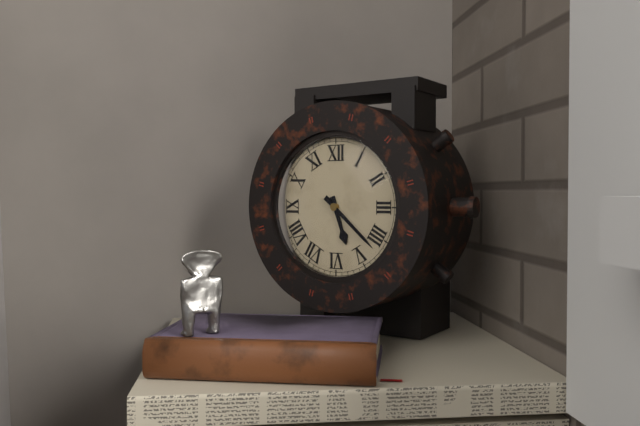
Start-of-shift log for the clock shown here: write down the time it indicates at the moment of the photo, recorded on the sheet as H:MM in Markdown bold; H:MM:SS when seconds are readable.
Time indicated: **5:22**
